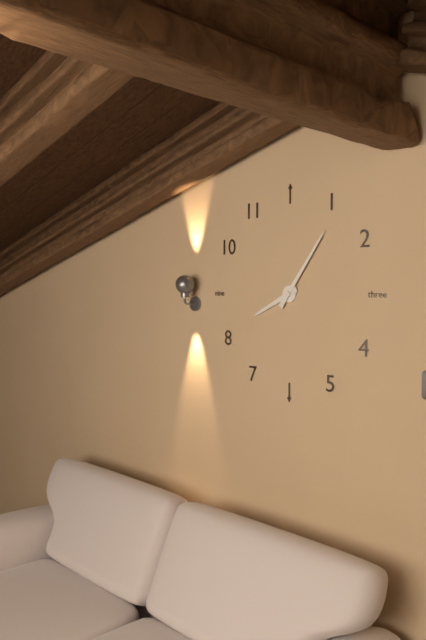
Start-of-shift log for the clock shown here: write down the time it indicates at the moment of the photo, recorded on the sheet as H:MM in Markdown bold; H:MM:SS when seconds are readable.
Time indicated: **8:06**
